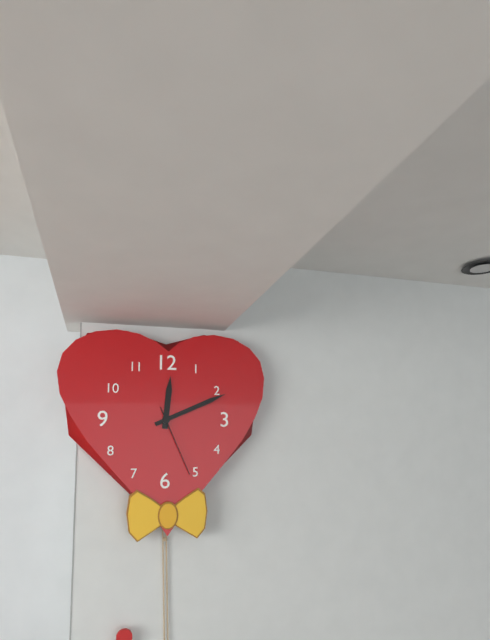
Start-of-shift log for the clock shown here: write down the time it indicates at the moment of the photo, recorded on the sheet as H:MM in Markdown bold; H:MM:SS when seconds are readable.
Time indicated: **12:11:26**
